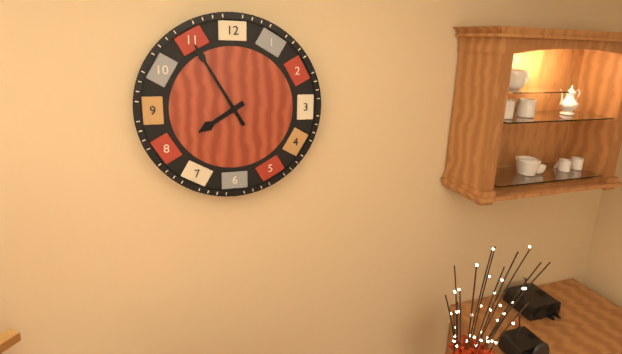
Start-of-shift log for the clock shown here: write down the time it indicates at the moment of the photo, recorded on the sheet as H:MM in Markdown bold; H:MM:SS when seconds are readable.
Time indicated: **7:55**
